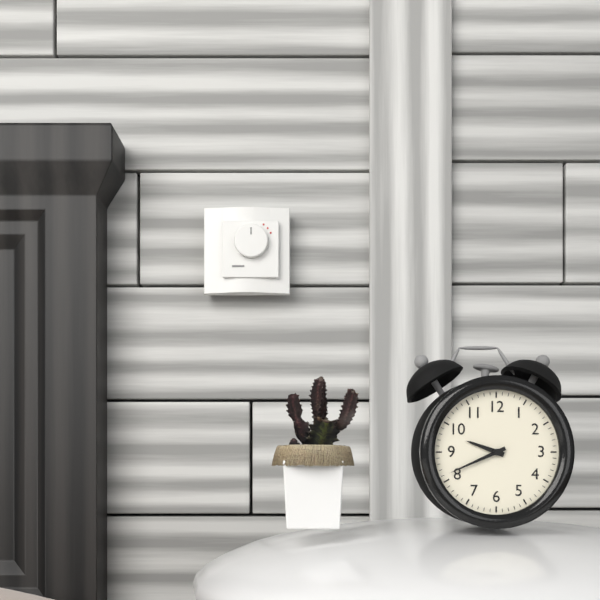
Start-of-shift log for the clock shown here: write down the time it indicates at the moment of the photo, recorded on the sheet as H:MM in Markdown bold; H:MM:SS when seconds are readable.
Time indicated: **9:41**
